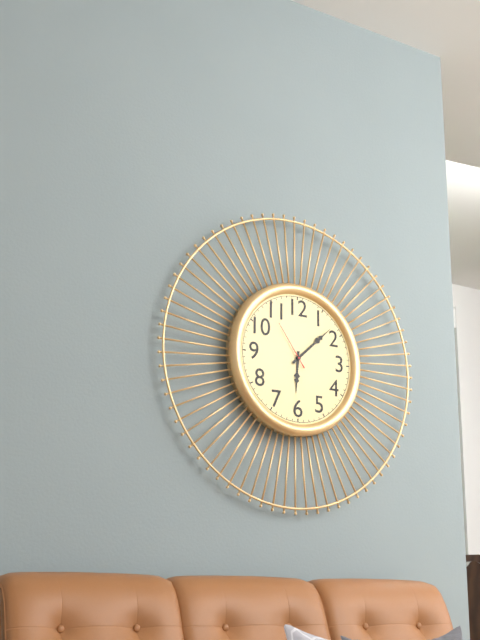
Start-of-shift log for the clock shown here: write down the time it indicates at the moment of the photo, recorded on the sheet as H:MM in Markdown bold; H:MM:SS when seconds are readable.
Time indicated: **6:08**
